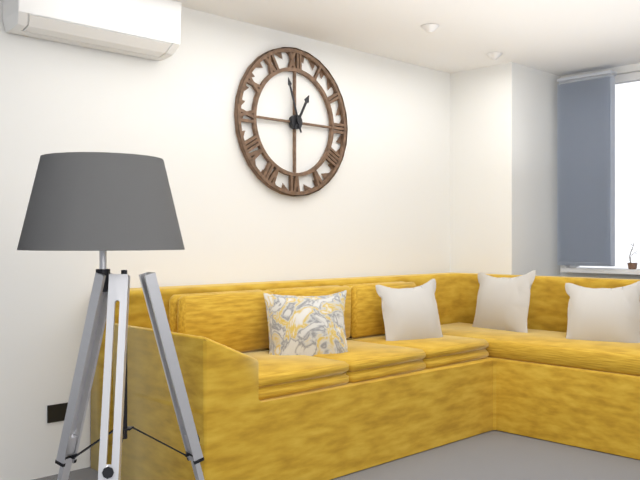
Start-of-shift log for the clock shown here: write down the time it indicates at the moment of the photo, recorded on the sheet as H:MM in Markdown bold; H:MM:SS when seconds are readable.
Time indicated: **12:57**
